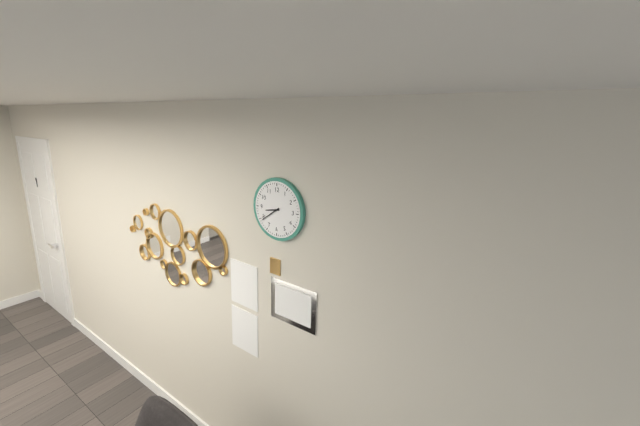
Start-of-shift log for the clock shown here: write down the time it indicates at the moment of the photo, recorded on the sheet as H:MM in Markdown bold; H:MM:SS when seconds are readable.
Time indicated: **8:39**
